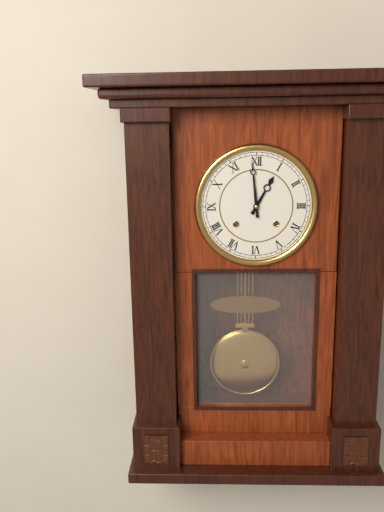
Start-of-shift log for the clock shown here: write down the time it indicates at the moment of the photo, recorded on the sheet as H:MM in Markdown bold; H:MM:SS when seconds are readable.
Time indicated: **12:59**
